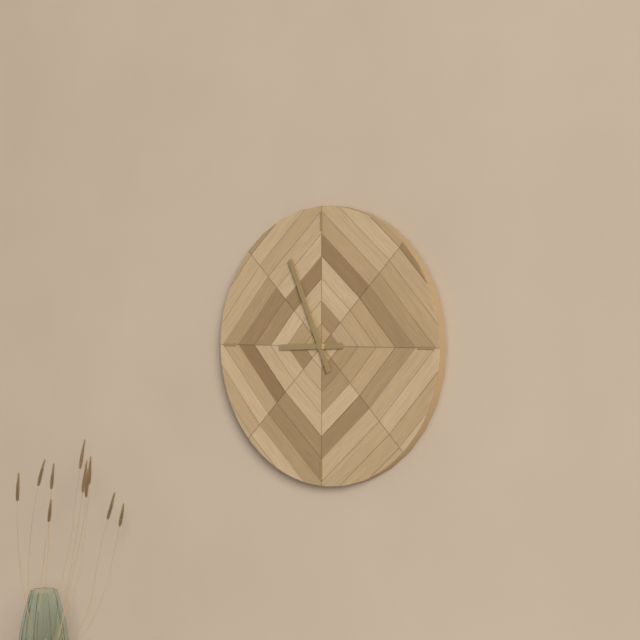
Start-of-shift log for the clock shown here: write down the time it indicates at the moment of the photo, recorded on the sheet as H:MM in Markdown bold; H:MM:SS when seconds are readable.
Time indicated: **8:56**
